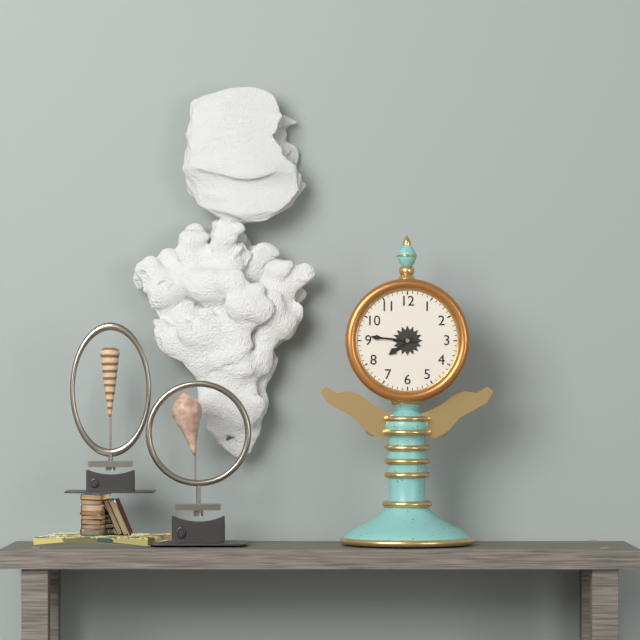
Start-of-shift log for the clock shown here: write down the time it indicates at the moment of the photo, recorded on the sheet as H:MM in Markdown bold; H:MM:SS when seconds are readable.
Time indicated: **7:46**
